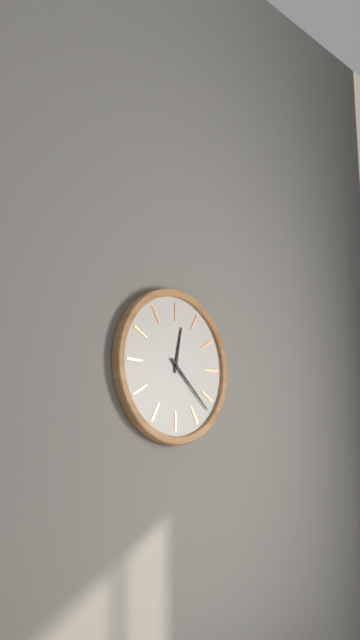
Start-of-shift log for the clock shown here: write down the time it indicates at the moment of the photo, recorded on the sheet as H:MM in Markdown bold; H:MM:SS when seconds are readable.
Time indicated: **12:22**
